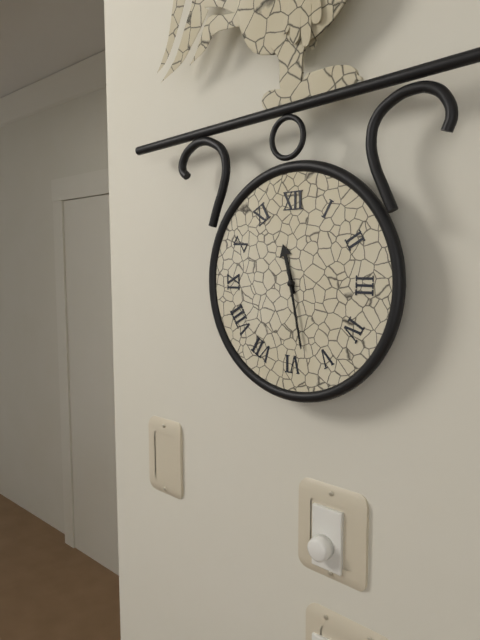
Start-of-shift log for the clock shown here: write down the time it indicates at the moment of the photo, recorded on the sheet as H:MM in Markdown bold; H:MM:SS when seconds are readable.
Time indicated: **11:28**
